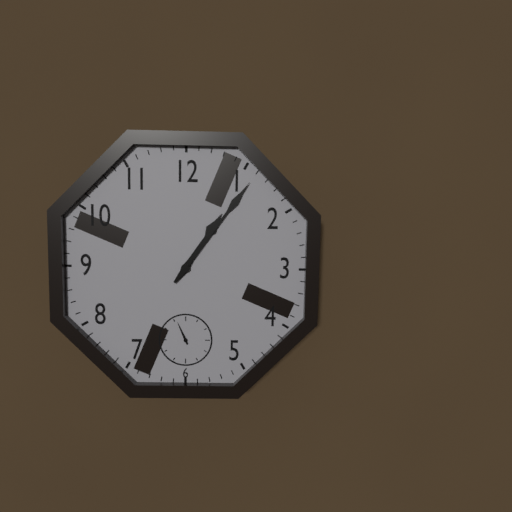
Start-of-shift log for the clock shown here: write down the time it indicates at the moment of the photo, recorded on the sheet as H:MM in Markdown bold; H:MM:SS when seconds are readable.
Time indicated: **1:06**
